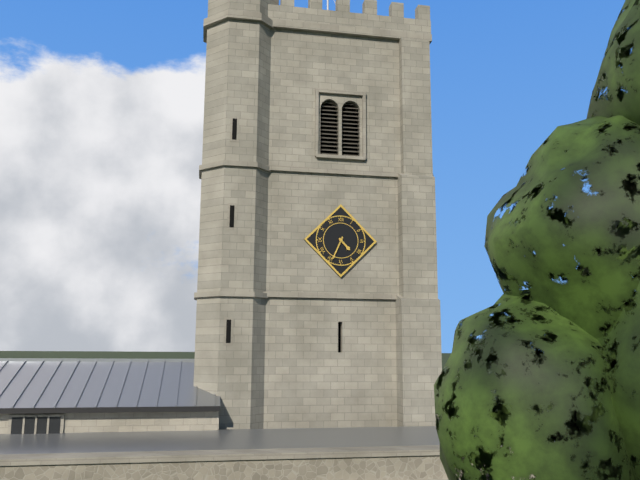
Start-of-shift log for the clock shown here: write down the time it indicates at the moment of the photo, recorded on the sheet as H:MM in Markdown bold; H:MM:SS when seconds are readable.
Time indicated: **4:34**
